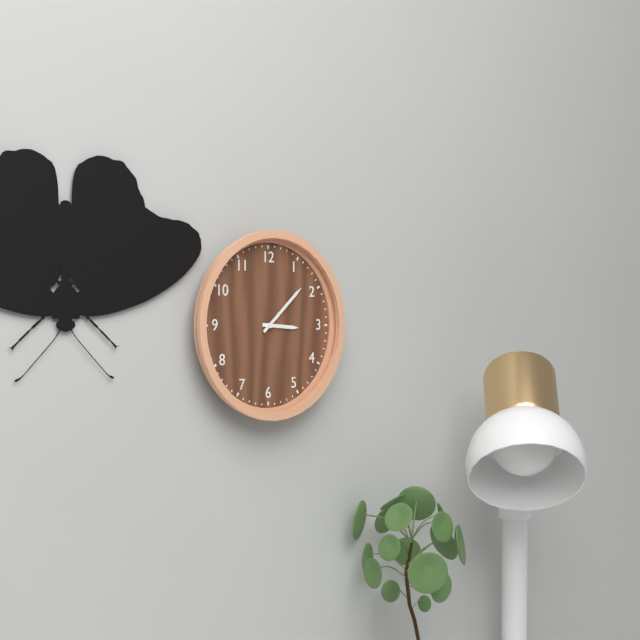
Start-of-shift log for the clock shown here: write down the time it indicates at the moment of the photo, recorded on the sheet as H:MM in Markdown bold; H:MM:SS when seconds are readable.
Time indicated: **3:08**
